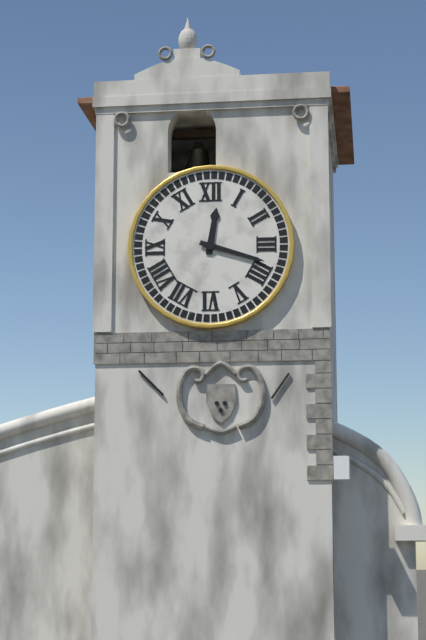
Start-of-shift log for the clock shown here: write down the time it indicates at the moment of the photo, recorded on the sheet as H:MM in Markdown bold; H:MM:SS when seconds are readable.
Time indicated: **12:18**
